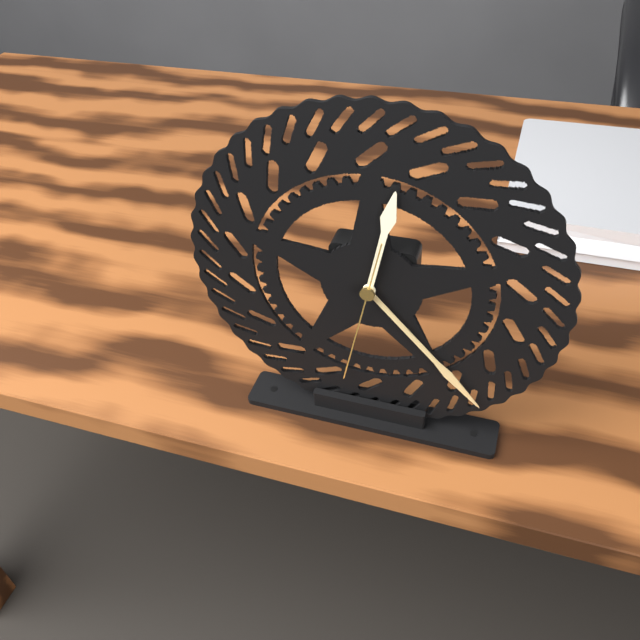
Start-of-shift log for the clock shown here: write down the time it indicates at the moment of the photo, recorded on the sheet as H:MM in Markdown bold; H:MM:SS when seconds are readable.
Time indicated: **12:23:32**
